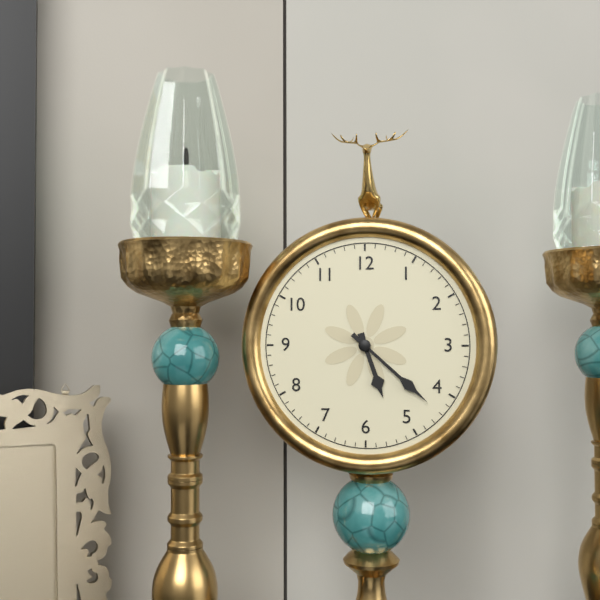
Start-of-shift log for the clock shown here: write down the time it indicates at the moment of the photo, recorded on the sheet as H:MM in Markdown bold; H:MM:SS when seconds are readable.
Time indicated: **5:22**
